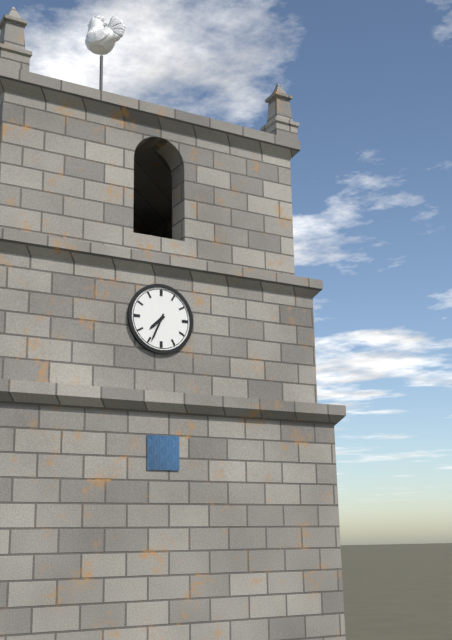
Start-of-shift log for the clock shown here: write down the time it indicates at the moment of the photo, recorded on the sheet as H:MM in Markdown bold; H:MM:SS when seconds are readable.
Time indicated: **7:34**
